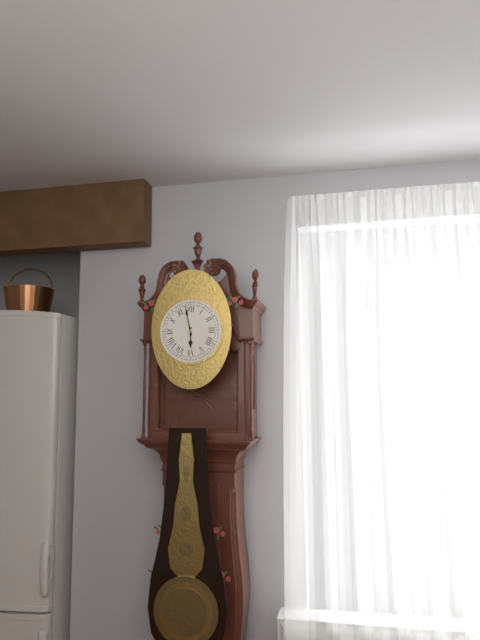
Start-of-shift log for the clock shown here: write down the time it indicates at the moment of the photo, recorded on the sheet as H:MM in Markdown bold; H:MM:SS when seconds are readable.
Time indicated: **5:58**
